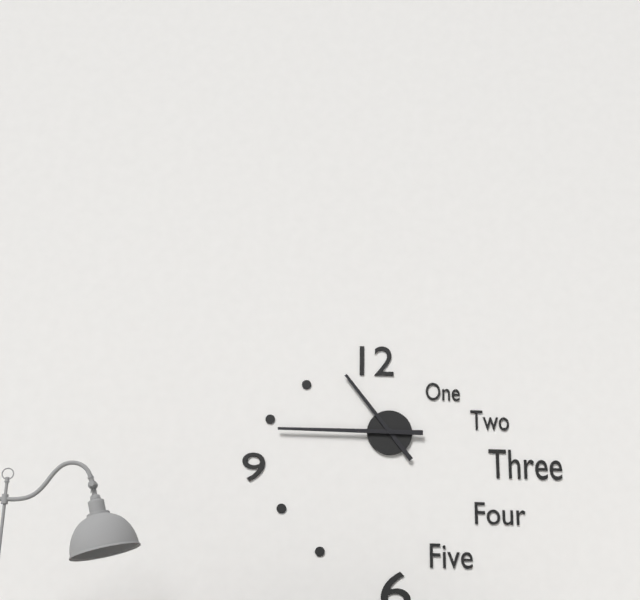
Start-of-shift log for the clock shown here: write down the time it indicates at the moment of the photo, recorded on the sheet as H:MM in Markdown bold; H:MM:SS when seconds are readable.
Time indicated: **10:45**
